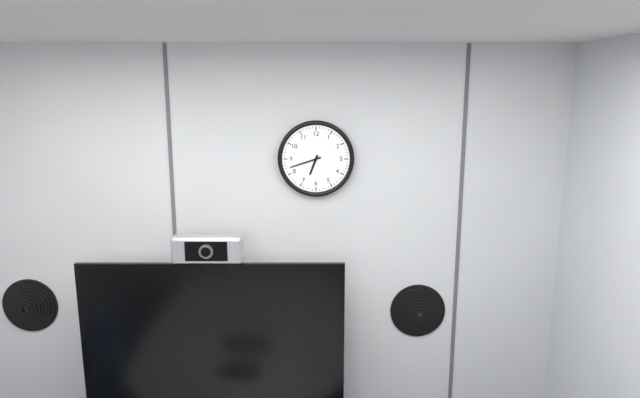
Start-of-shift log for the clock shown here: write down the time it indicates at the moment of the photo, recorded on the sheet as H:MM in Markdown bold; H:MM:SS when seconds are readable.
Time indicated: **6:42**
